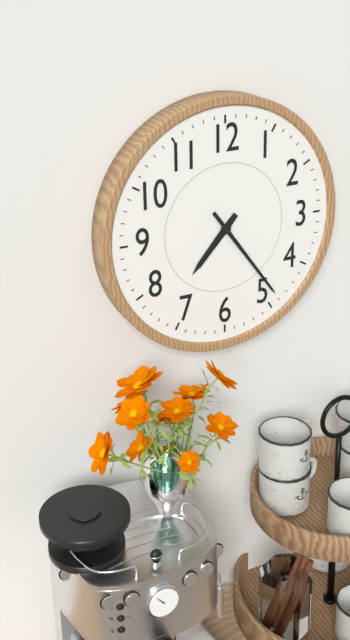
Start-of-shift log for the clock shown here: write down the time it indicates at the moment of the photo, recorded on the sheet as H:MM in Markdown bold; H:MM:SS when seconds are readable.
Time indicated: **7:24**
